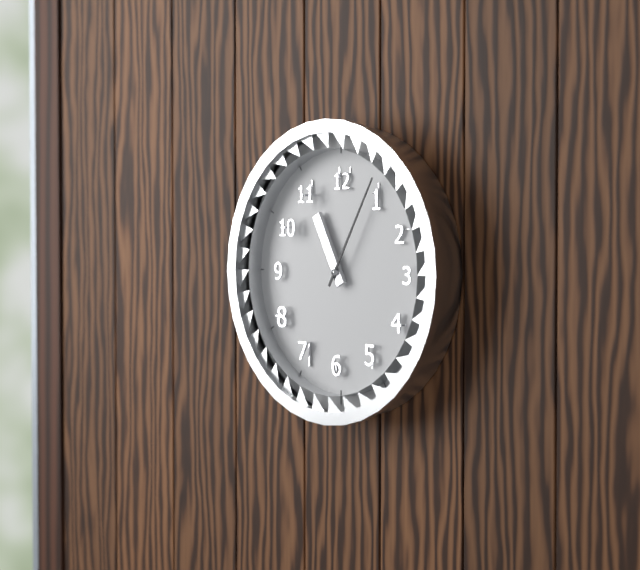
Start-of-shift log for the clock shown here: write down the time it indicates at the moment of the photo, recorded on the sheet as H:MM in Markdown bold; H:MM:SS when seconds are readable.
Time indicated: **11:05**
